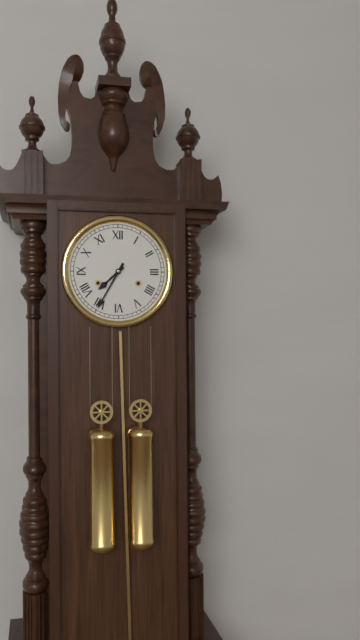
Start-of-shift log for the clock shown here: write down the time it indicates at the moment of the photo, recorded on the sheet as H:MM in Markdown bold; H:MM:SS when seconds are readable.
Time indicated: **7:35**
